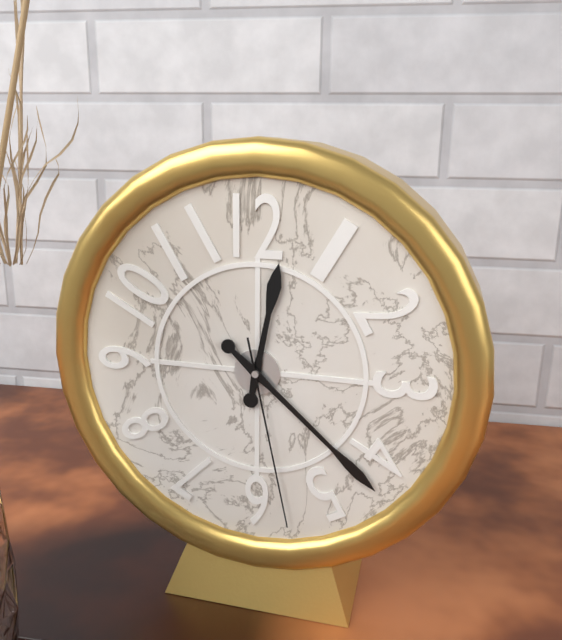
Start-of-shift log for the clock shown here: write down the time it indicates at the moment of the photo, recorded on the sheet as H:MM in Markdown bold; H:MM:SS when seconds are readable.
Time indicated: **12:22:28**
